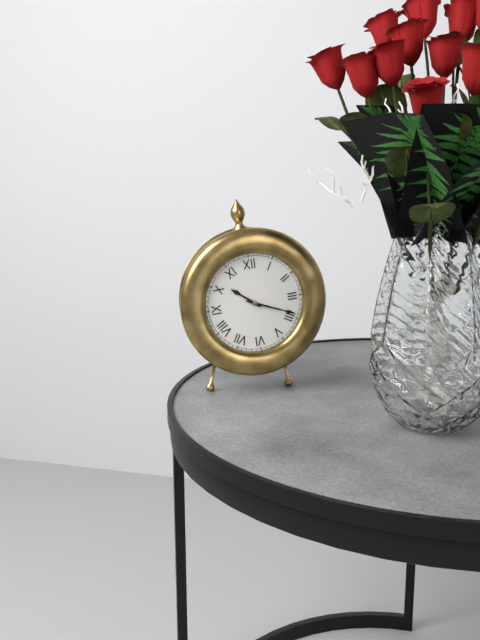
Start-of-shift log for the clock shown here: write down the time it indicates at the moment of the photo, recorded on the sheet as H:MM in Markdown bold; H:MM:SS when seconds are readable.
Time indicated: **10:19**
